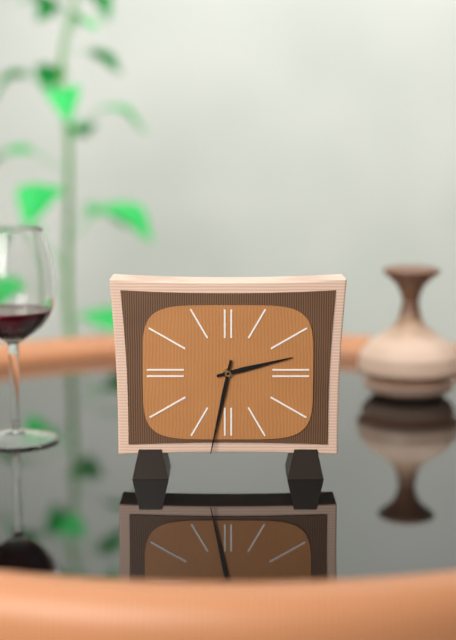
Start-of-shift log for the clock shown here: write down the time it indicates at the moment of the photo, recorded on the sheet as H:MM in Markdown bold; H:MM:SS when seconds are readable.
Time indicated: **2:32**
